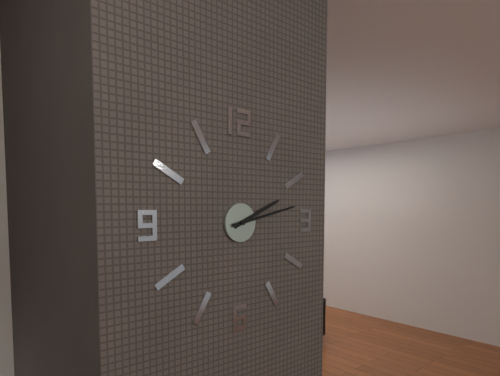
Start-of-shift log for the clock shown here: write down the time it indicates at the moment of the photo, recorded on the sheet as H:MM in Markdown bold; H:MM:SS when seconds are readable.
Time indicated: **2:13**
